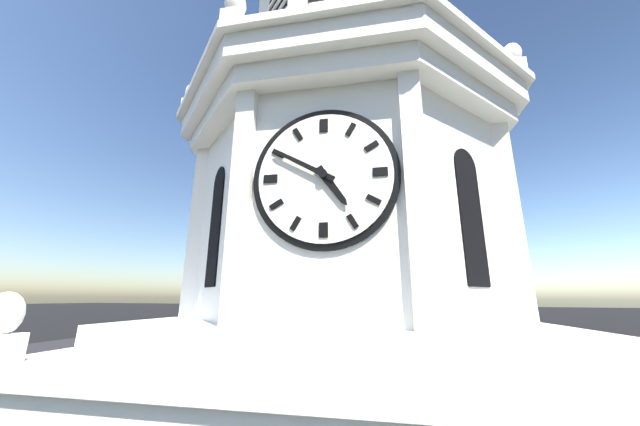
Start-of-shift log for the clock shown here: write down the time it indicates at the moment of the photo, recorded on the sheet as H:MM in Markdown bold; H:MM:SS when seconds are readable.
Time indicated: **4:50**
